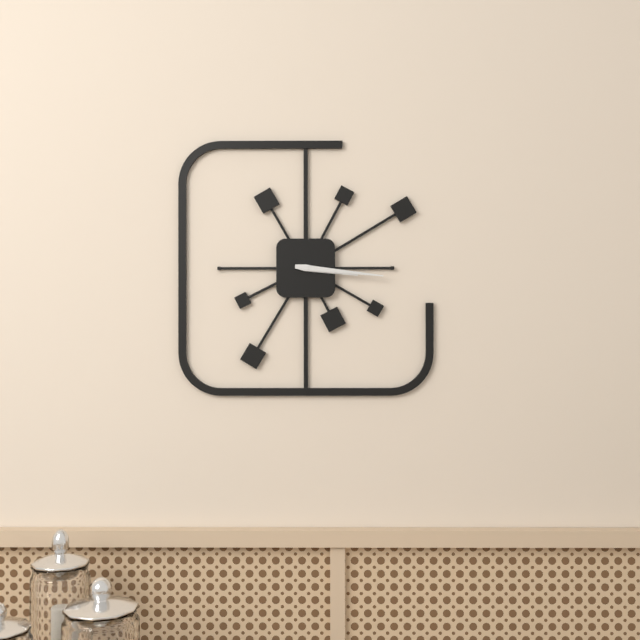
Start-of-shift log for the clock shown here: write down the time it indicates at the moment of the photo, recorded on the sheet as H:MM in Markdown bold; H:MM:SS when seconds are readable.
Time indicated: **3:16**
